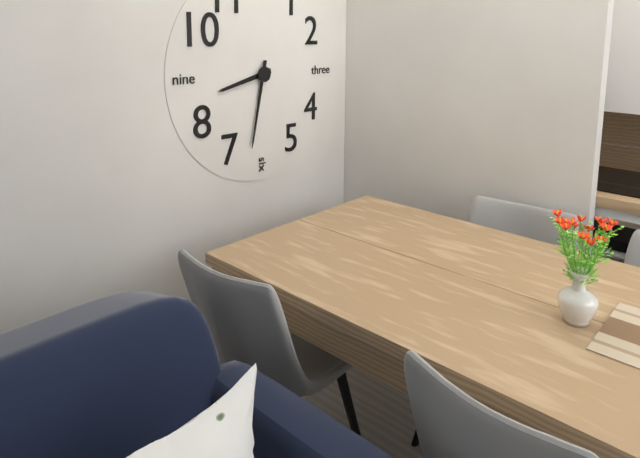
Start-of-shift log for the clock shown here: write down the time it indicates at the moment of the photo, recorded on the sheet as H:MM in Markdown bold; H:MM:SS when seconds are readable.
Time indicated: **8:32**
